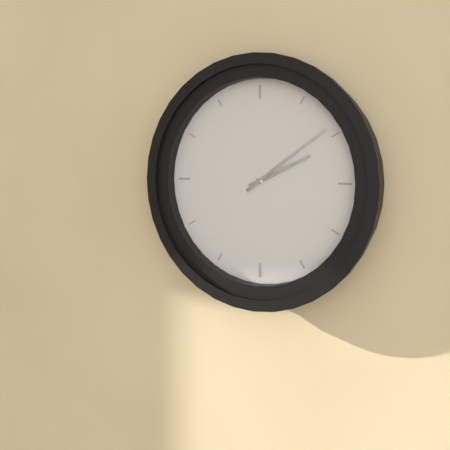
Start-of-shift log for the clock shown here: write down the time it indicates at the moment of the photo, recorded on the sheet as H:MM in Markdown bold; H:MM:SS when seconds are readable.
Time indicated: **2:09**
